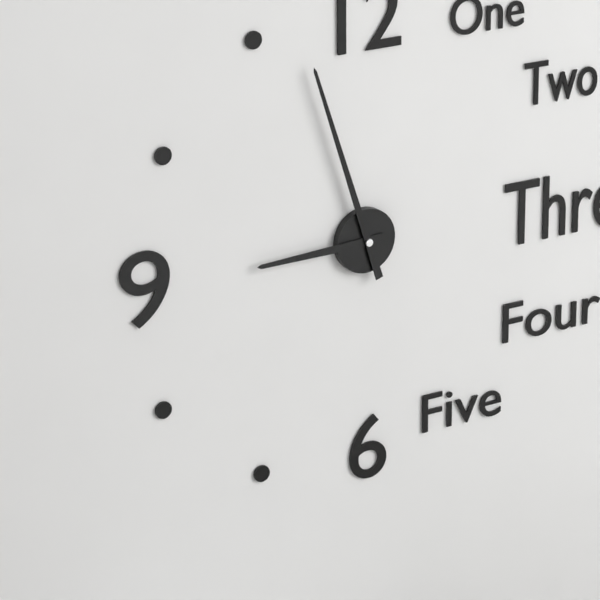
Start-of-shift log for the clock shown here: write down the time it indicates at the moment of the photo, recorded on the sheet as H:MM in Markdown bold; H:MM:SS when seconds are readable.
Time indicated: **8:57**
